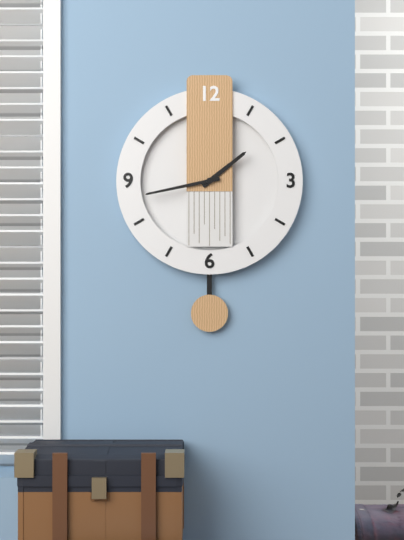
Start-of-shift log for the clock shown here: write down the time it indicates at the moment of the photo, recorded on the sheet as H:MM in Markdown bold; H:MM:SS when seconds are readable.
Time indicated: **1:43**
